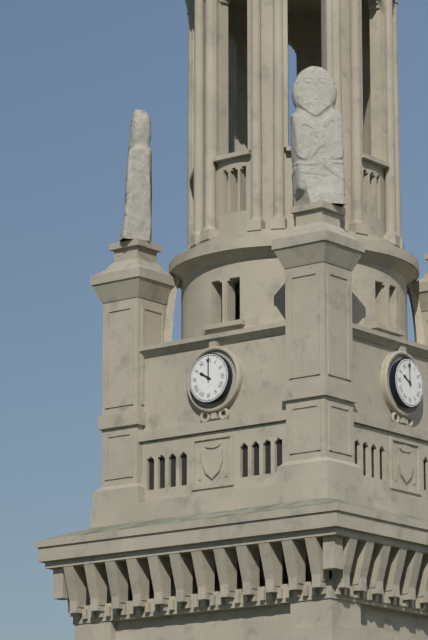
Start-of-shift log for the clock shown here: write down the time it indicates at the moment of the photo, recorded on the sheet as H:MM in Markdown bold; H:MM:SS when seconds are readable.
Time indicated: **10:00**
